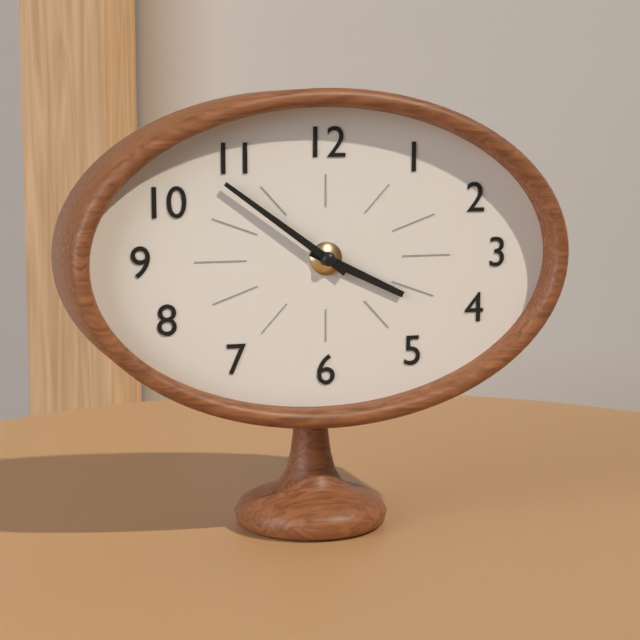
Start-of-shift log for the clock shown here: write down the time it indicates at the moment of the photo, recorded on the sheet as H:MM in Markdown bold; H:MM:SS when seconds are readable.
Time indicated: **3:51**
